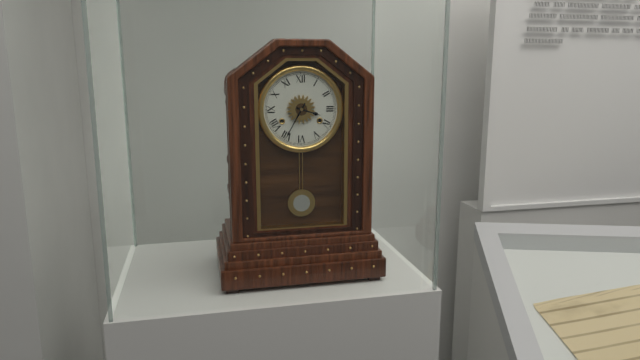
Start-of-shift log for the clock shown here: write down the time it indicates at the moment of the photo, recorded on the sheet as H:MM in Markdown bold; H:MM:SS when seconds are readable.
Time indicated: **3:35**
